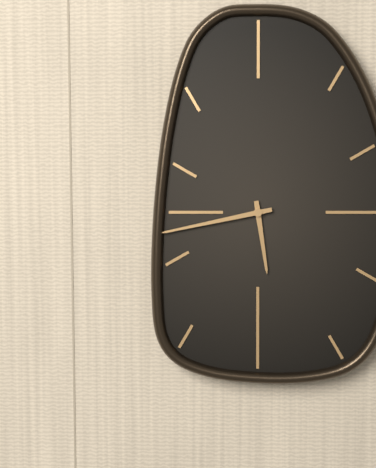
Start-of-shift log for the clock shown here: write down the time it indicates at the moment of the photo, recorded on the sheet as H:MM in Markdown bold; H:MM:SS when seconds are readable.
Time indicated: **5:43**
